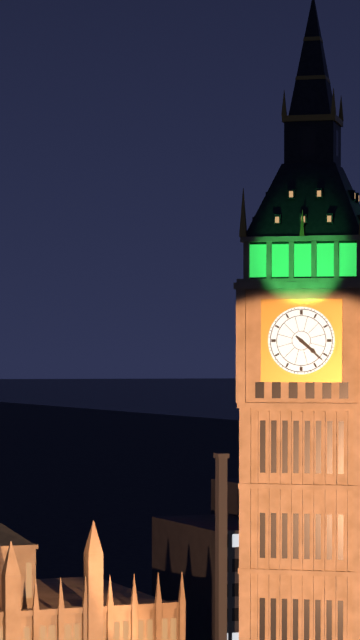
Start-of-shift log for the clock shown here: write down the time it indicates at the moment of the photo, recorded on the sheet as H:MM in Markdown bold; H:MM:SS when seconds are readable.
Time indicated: **4:22**
